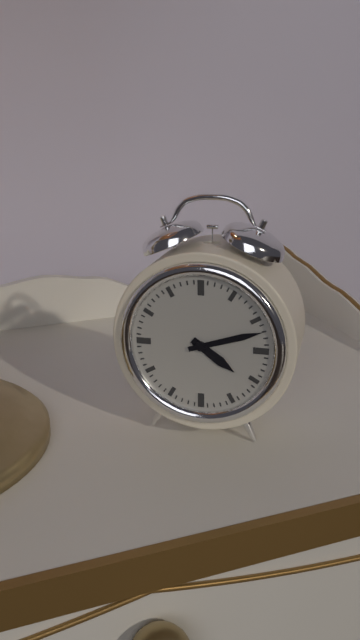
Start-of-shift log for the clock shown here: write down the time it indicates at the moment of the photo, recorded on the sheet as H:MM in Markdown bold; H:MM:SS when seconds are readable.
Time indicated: **4:12**
